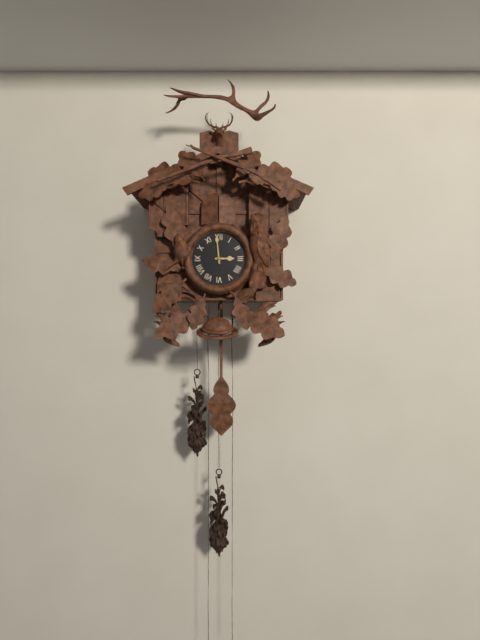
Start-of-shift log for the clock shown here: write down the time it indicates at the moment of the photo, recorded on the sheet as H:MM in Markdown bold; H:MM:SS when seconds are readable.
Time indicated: **2:59**
